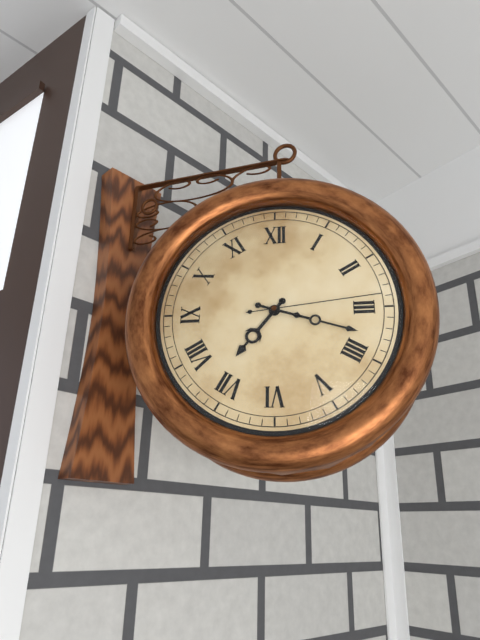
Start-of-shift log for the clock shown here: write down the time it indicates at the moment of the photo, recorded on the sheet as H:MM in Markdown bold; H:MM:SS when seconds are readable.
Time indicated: **7:18:14**
